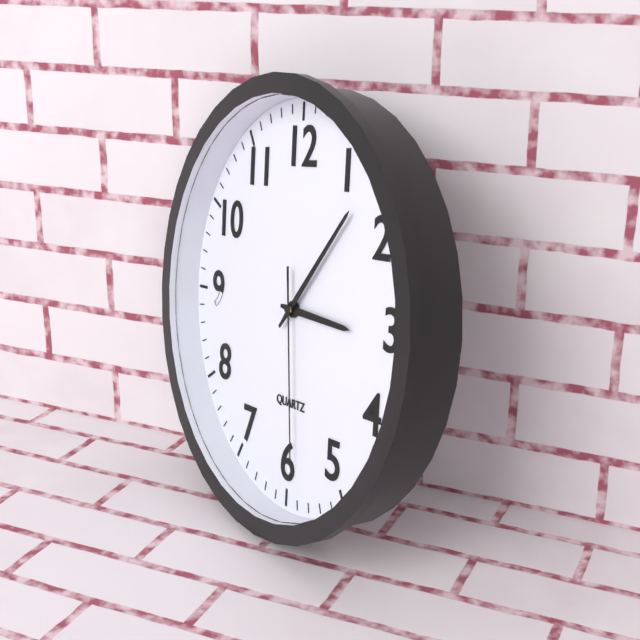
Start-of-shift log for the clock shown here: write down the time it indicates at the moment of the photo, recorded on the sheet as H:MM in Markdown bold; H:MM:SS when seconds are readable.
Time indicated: **3:07:29**
